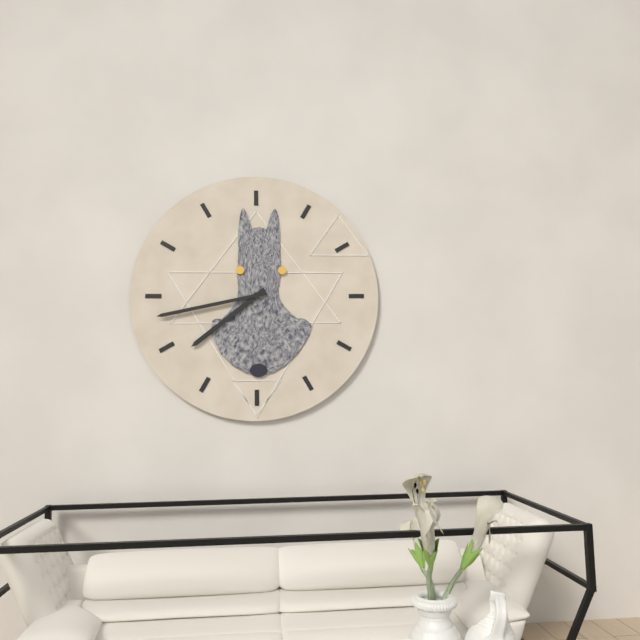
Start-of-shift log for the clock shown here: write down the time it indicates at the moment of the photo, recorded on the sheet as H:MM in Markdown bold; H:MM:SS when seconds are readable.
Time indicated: **7:43**
